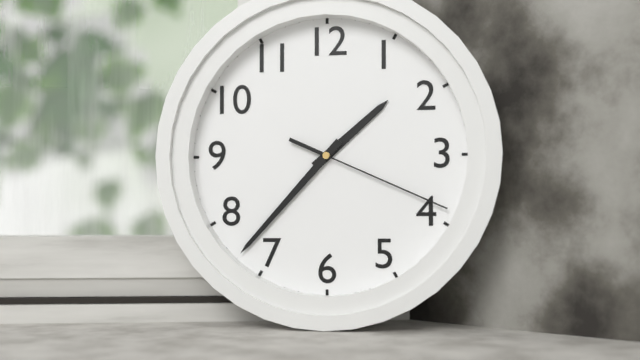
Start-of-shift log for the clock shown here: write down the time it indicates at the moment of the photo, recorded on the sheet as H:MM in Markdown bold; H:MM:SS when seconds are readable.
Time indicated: **1:37:19**
